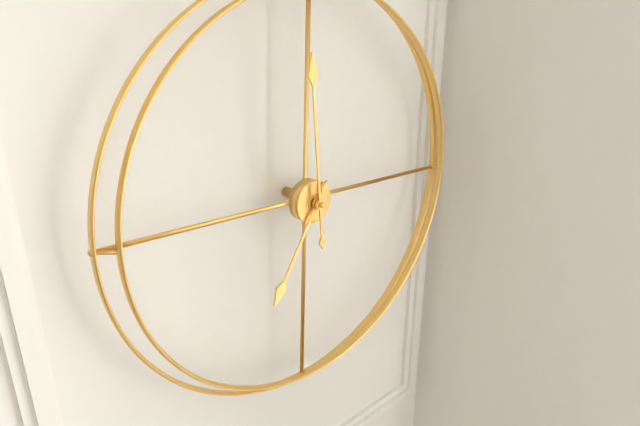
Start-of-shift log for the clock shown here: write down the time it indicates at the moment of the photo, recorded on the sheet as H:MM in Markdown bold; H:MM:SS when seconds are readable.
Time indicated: **6:59**
